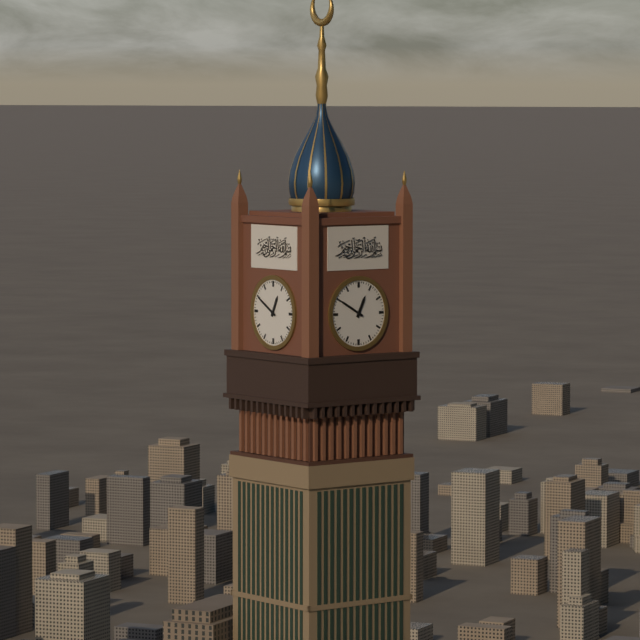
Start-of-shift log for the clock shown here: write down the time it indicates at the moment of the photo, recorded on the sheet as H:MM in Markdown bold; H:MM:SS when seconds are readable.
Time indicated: **12:50**
